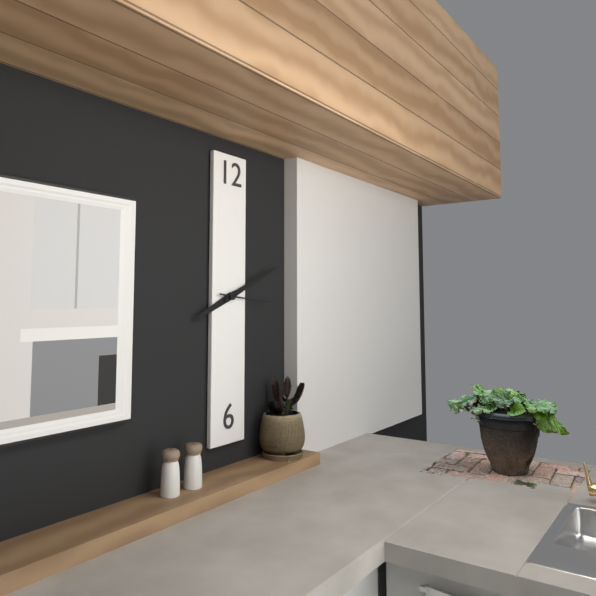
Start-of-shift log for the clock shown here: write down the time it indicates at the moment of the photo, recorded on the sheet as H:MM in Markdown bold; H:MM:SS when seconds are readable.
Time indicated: **8:11**
